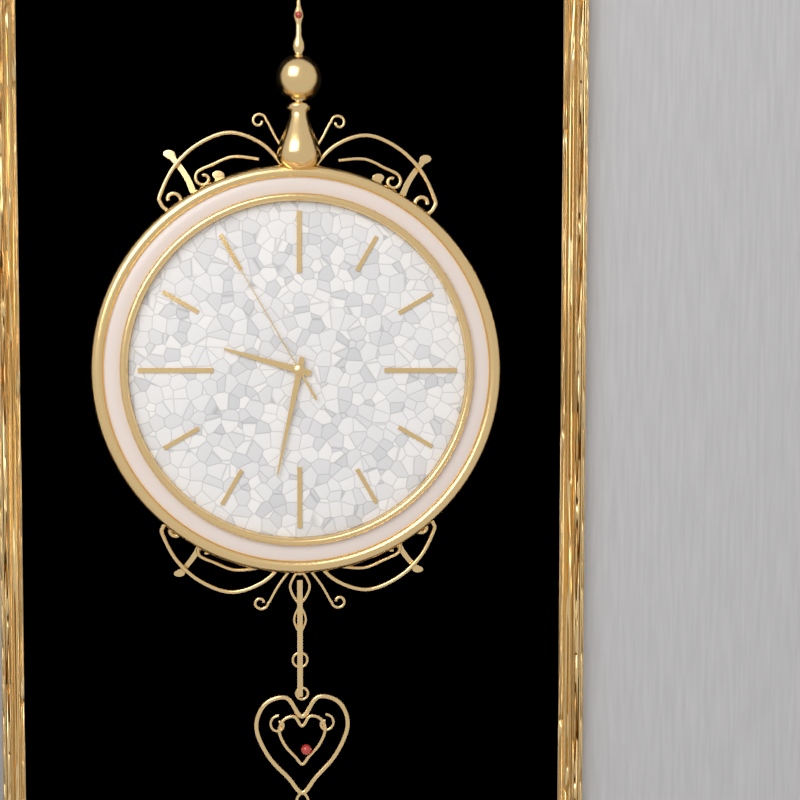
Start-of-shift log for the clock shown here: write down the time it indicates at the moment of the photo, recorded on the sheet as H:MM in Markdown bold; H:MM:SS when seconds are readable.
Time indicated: **9:32:55**
